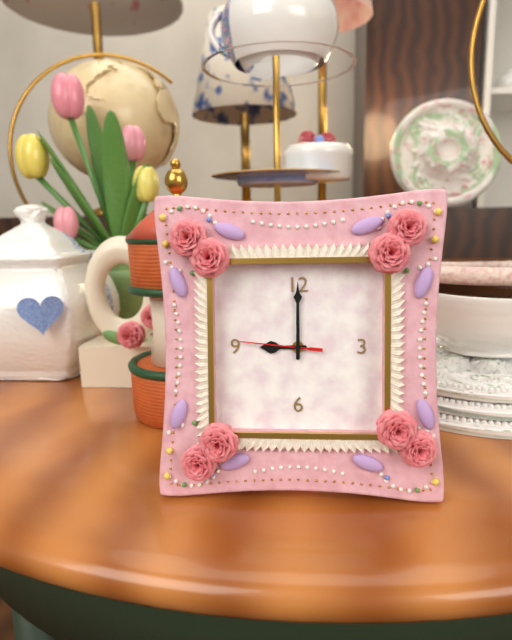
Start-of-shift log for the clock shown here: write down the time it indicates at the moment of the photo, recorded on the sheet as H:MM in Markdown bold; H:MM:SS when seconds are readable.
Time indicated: **9:00:46**
